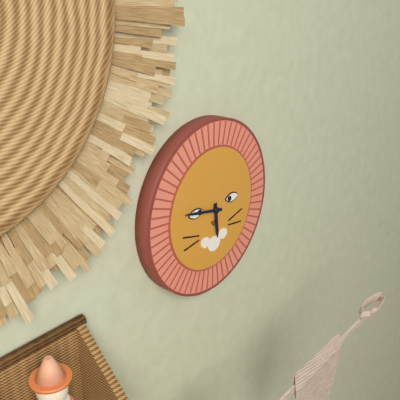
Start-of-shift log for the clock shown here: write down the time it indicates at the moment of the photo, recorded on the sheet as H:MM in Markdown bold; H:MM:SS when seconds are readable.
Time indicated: **5:47**
